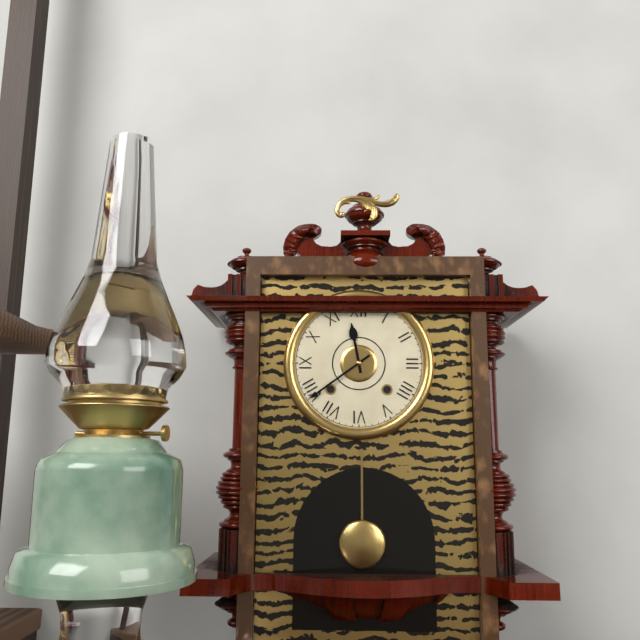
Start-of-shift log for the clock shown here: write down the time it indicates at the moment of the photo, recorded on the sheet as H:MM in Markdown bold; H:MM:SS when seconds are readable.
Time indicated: **11:39**
